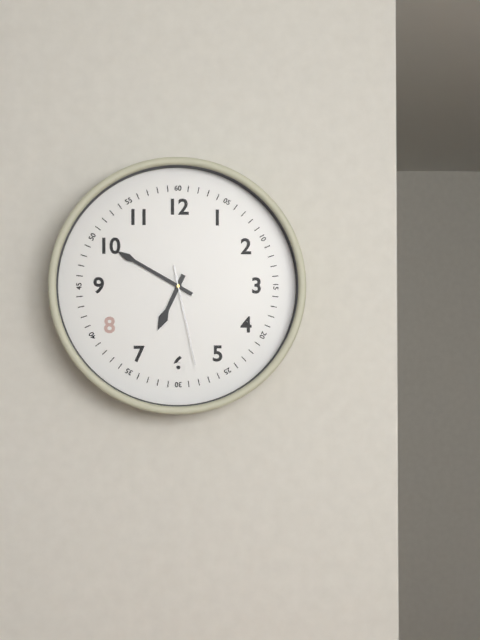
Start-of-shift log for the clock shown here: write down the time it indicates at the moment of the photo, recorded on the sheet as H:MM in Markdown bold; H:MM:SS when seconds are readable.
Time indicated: **6:50:28**
